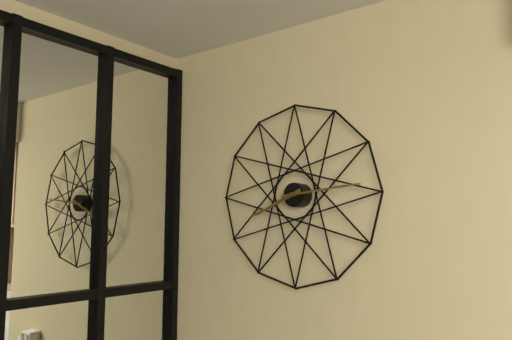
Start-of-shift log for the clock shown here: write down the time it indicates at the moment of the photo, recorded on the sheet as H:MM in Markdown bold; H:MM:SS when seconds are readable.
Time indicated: **8:14**
